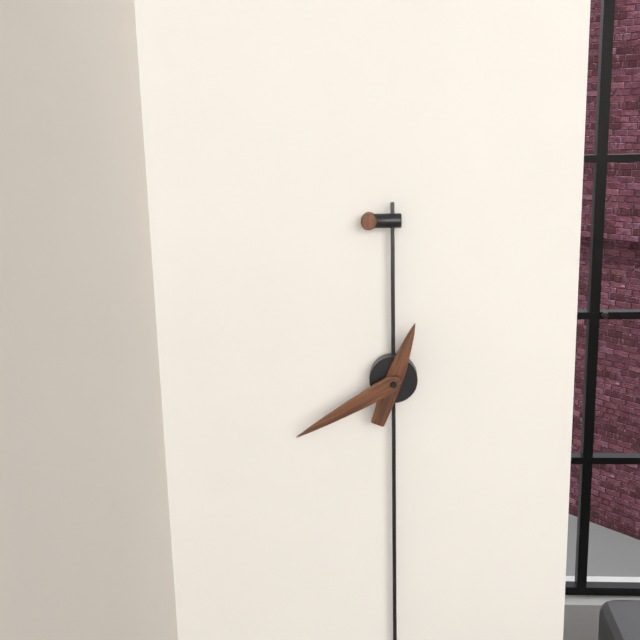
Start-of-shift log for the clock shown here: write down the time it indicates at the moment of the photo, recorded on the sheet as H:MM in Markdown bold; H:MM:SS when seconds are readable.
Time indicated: **12:40**
